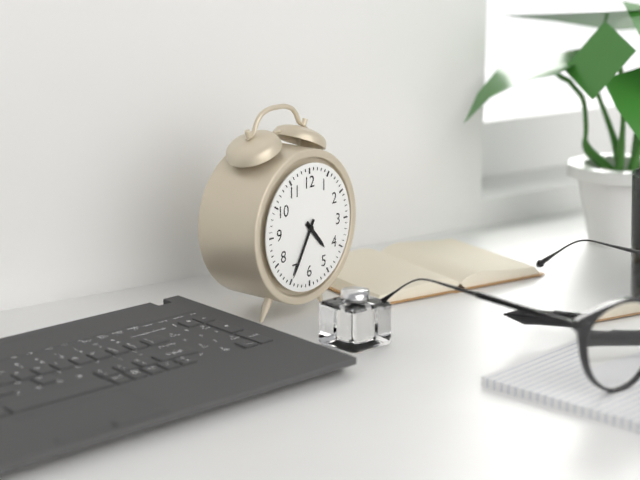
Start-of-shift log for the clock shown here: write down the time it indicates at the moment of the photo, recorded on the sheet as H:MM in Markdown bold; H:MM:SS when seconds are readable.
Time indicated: **4:35**
